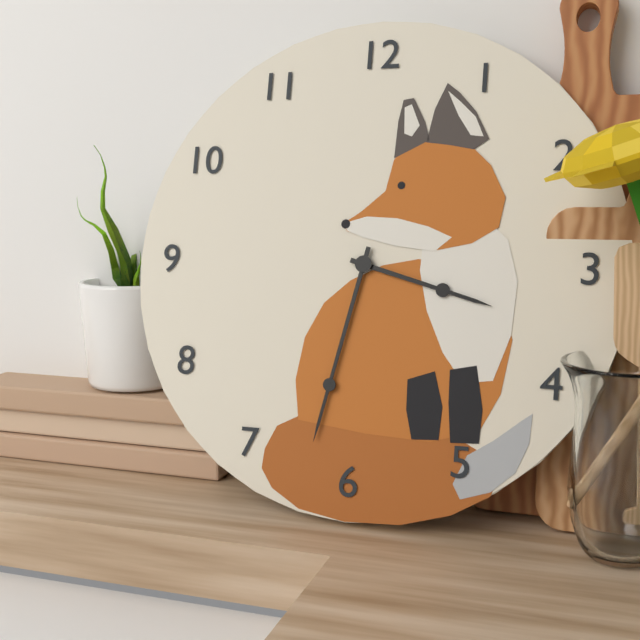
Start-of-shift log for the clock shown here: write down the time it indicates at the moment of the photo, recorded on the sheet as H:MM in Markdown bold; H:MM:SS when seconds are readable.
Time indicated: **3:32**
